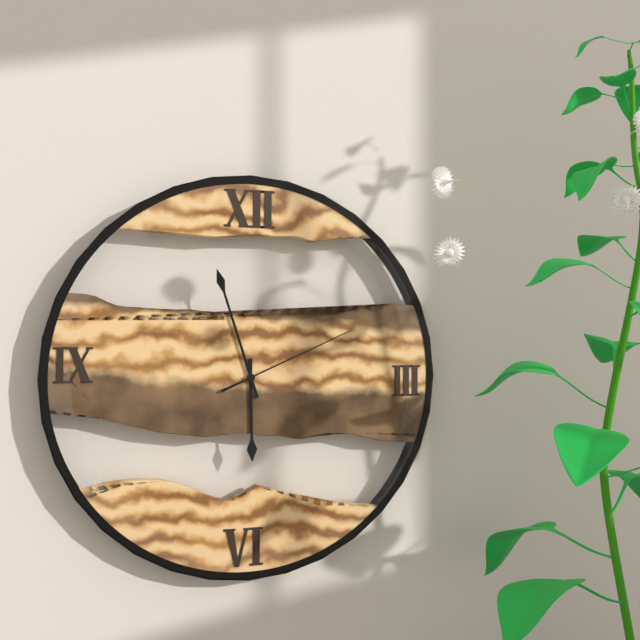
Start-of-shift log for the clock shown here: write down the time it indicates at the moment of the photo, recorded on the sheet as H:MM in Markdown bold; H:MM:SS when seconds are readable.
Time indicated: **5:57:11**
